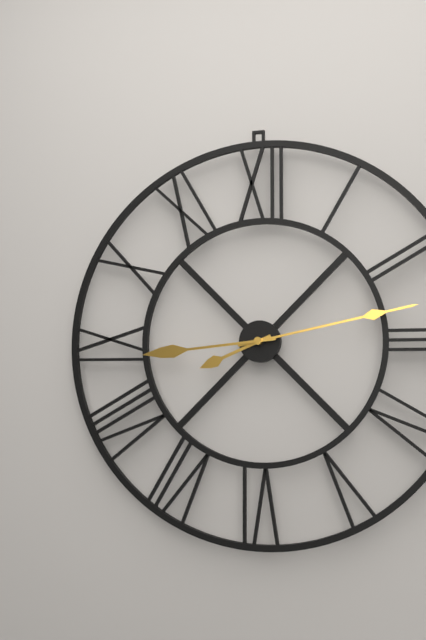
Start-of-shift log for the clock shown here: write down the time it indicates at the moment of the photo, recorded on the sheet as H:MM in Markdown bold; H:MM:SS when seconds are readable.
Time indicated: **8:13:44**
